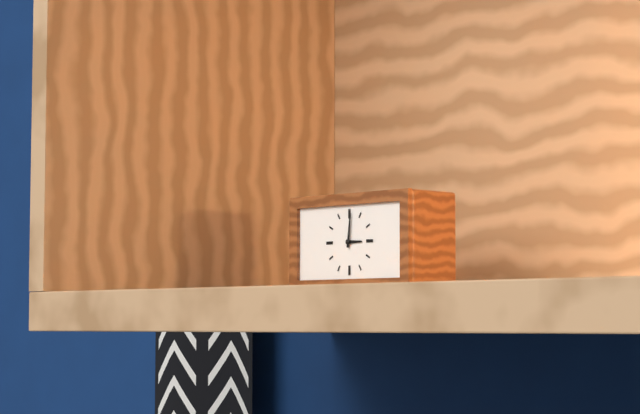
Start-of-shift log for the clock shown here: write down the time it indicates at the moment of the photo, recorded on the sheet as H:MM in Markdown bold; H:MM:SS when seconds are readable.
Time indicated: **3:01**
